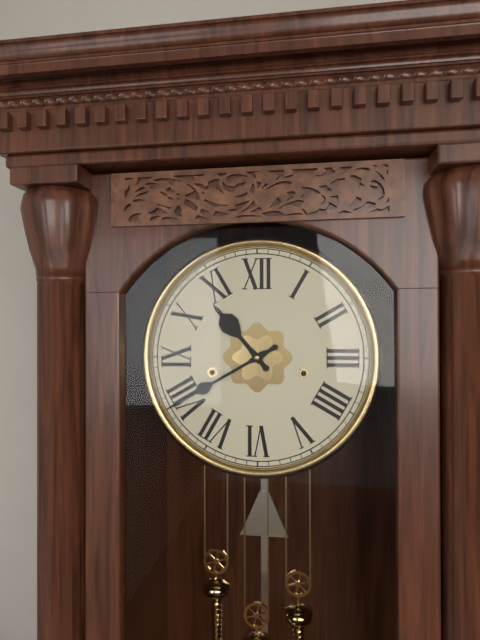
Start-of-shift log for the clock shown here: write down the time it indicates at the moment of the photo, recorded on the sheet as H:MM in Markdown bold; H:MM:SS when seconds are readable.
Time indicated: **10:40**
